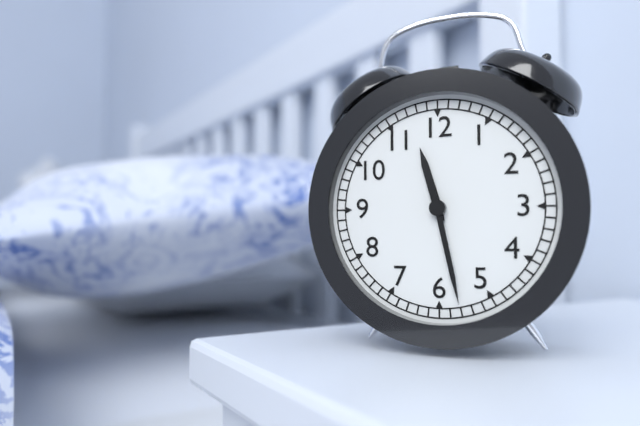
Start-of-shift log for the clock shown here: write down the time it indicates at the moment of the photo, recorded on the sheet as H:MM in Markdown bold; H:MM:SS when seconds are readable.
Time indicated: **11:28**
